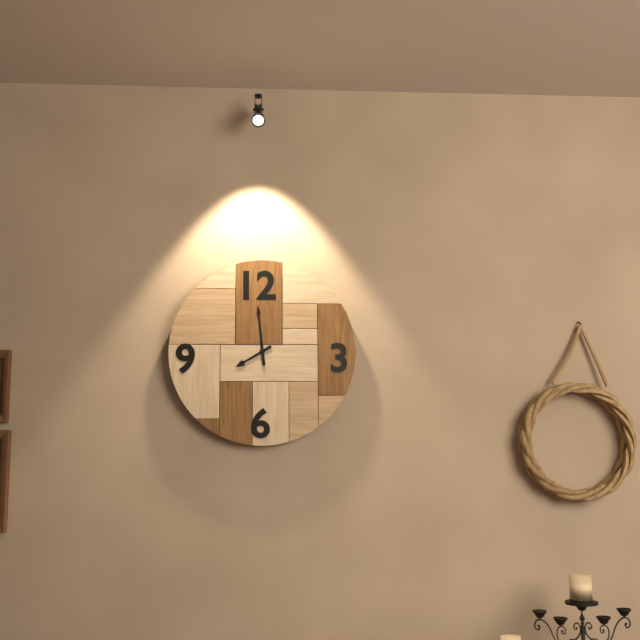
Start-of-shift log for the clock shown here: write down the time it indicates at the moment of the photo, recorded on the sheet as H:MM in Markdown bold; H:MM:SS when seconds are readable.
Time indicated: **7:59**
